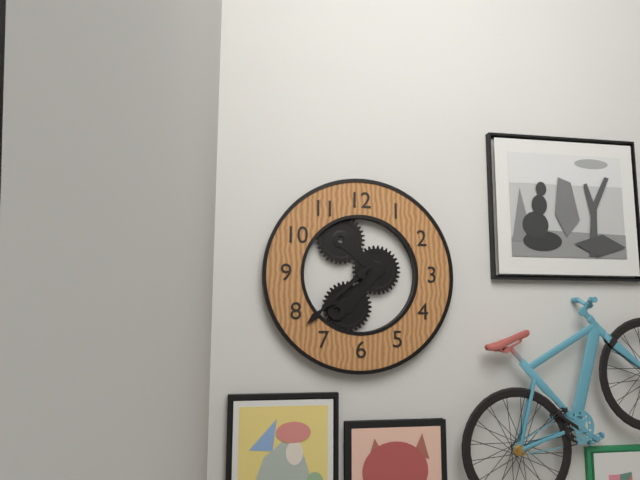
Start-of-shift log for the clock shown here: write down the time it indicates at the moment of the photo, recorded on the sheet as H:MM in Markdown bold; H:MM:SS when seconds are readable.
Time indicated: **7:38**
